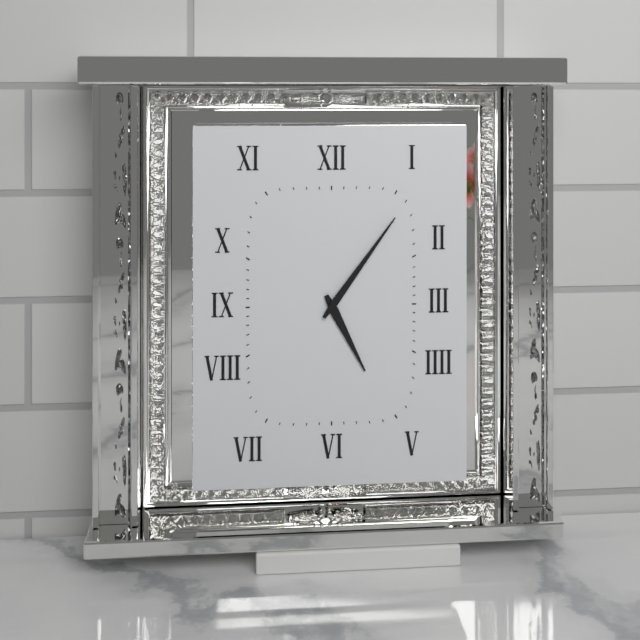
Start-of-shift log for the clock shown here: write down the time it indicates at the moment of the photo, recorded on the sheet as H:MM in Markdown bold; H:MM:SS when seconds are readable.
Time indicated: **5:06**
